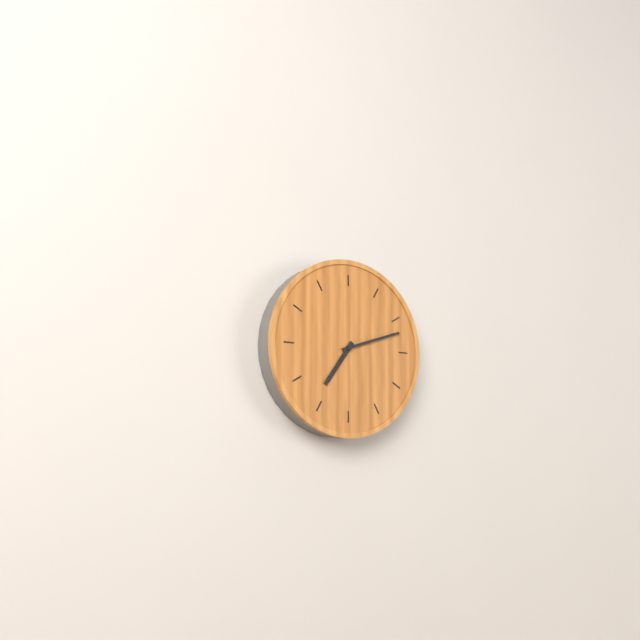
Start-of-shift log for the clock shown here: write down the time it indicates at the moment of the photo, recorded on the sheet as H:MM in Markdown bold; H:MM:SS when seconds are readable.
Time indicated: **7:12**
